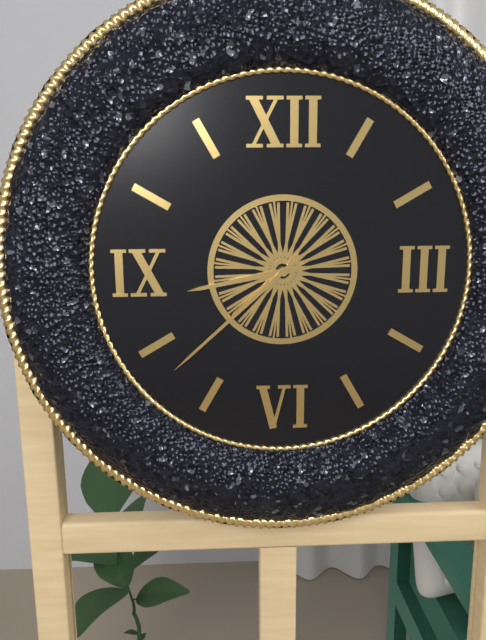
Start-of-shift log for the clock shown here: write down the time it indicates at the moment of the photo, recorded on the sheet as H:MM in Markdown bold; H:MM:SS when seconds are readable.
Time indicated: **8:38**
